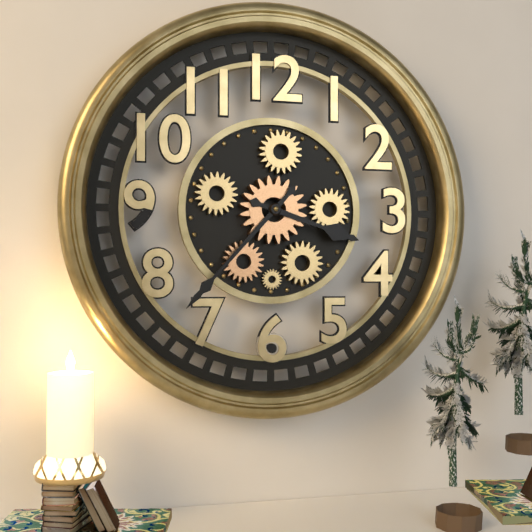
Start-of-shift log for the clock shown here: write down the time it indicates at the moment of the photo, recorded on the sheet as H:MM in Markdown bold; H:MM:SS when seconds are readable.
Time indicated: **3:37**
